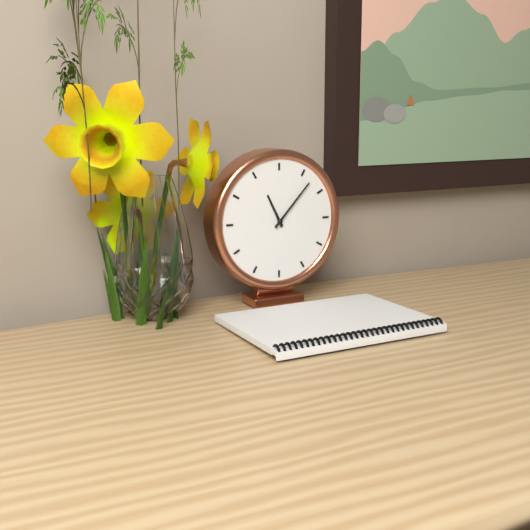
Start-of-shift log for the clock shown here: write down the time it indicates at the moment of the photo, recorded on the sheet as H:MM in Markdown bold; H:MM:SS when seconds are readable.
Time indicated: **11:07**
